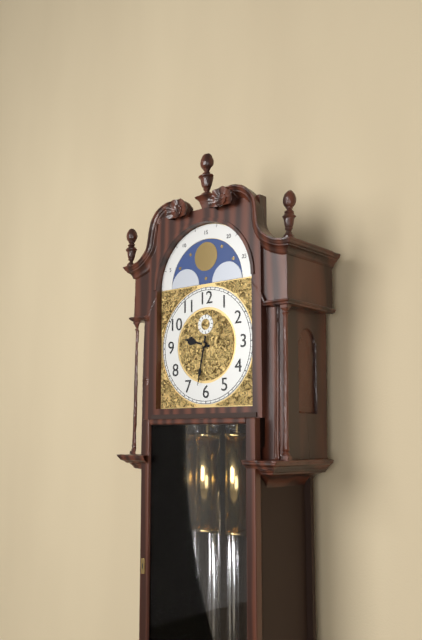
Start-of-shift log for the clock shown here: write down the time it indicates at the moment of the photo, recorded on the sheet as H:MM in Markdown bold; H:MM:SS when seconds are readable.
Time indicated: **9:32**
